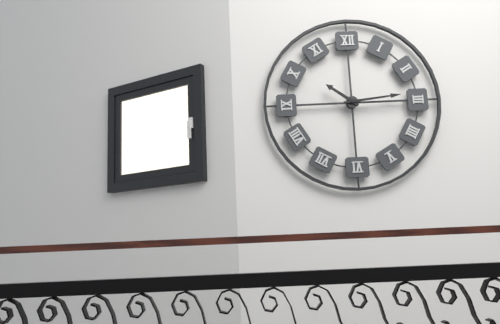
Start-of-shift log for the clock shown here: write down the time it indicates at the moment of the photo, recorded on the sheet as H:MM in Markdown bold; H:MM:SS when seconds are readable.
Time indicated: **10:14**
